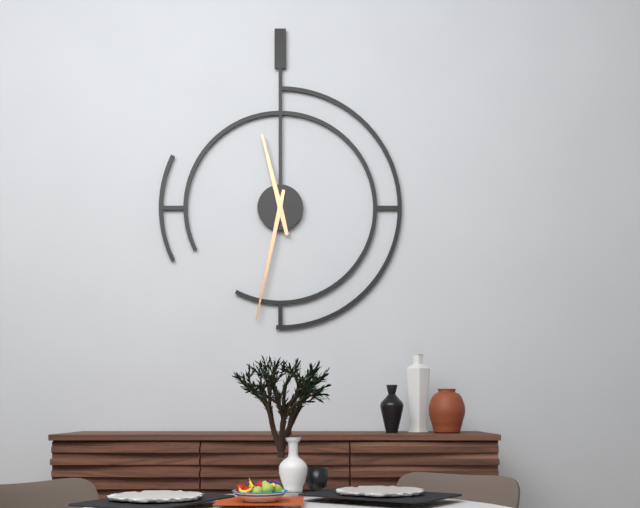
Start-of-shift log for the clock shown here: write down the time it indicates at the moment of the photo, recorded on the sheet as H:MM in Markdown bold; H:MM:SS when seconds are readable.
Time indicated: **11:32**
